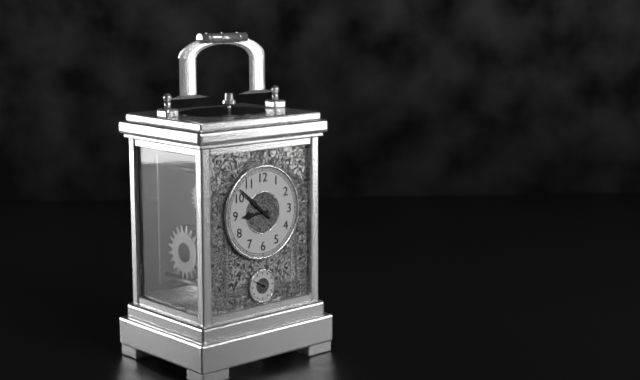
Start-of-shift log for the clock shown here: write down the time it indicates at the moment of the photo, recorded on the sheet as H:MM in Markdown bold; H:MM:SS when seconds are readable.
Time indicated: **8:52**
